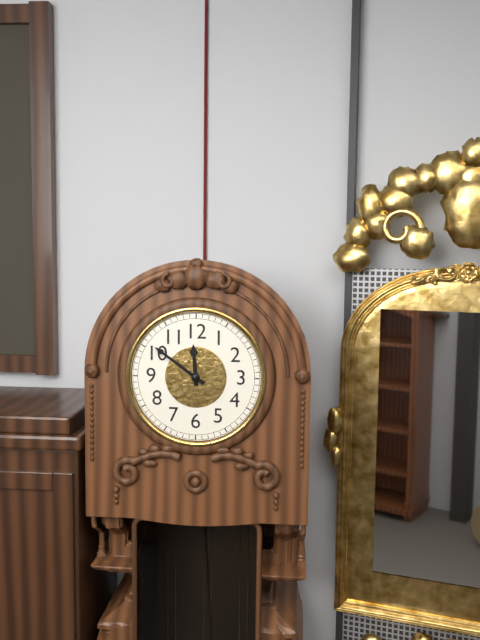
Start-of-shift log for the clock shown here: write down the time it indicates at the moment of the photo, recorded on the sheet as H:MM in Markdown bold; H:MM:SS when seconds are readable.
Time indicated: **11:51**
